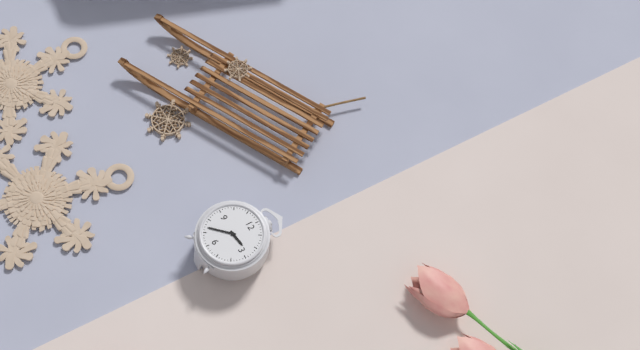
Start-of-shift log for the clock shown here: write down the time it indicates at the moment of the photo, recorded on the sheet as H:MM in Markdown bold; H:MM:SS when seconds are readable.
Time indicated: **2:37**
